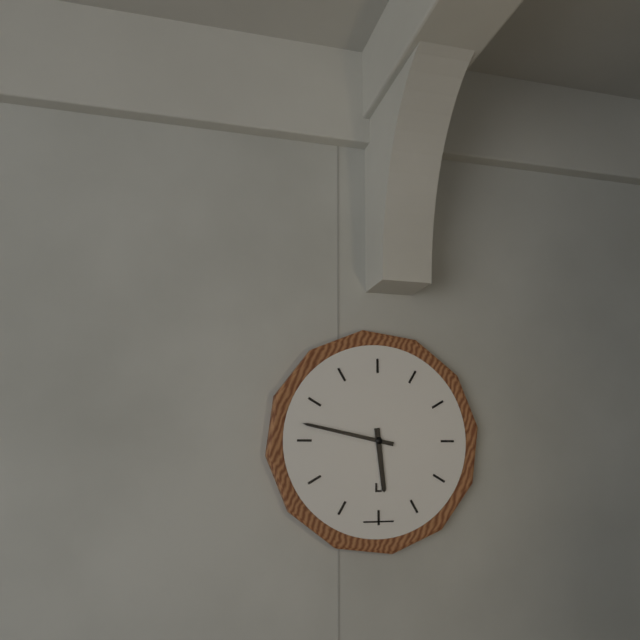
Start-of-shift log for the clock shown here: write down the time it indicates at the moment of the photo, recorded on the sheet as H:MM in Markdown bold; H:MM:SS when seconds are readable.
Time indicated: **5:47**
